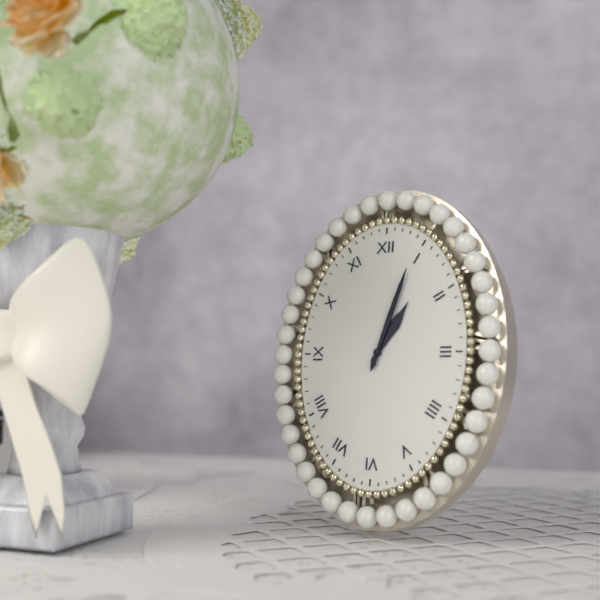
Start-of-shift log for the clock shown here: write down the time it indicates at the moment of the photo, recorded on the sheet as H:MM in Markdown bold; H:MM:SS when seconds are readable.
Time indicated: **1:03**
